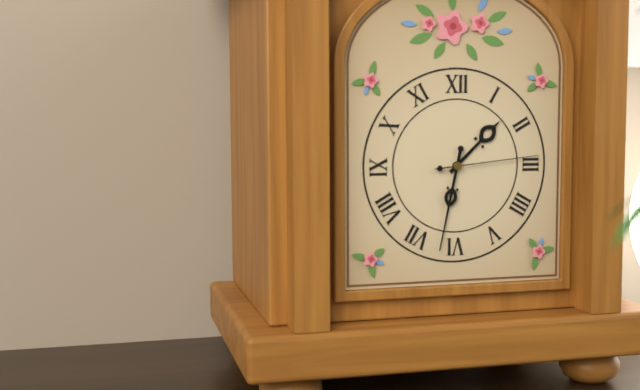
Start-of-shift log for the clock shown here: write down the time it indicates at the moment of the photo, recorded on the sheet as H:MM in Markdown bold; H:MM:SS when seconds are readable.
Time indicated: **1:32:14**
